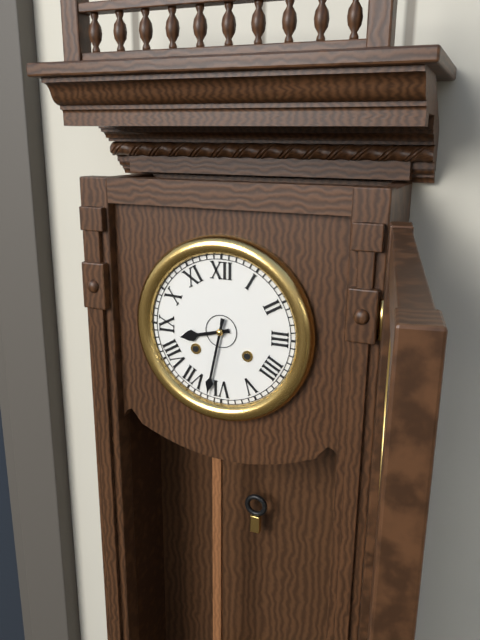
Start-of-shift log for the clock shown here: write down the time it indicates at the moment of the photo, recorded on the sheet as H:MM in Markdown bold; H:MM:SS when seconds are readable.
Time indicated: **8:32**
